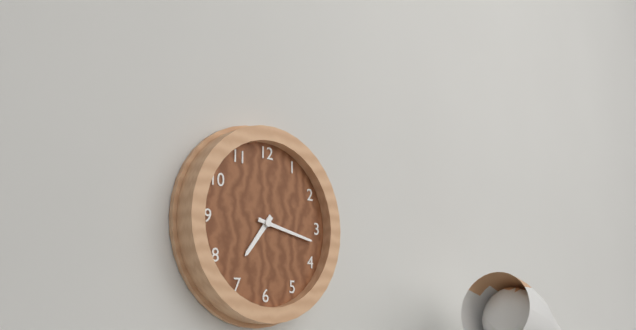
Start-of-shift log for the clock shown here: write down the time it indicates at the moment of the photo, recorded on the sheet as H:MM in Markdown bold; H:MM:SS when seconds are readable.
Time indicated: **7:17**
